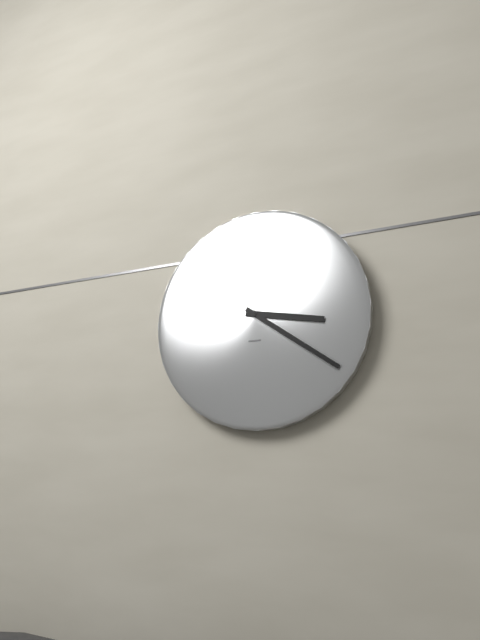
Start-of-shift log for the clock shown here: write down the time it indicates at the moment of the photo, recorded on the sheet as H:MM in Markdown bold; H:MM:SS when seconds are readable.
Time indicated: **3:21**
